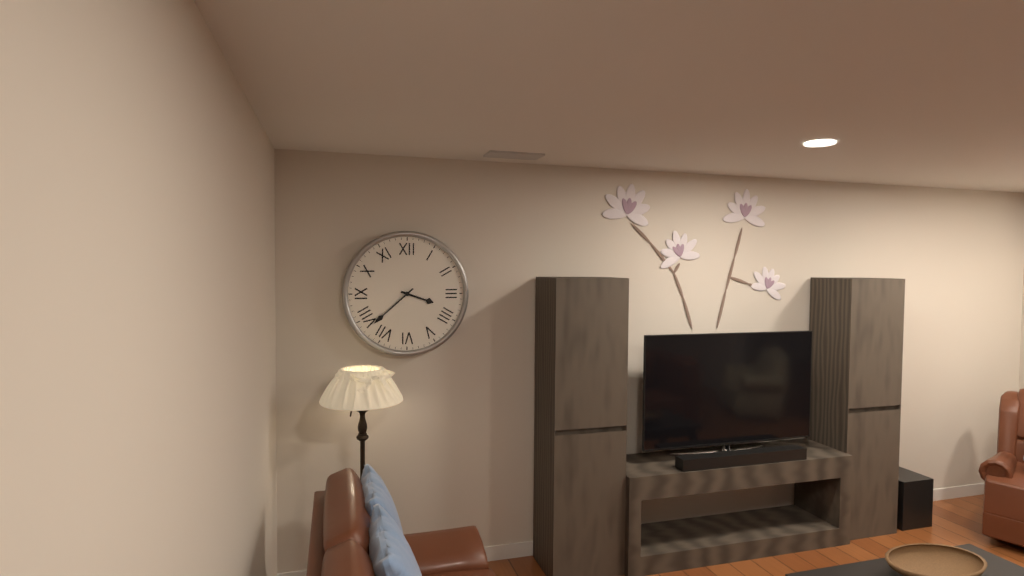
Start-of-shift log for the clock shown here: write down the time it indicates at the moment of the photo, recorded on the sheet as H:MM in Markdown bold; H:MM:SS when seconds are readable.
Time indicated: **3:38**
